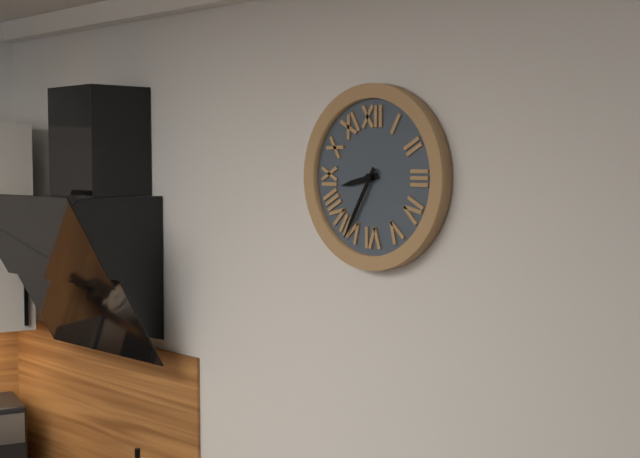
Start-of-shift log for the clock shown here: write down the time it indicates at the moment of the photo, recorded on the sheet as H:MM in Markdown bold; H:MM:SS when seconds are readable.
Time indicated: **8:35**
